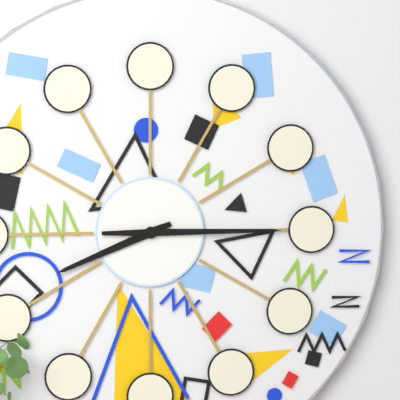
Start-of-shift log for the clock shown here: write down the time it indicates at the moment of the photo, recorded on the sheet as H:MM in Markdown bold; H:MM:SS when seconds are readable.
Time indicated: **8:15**
